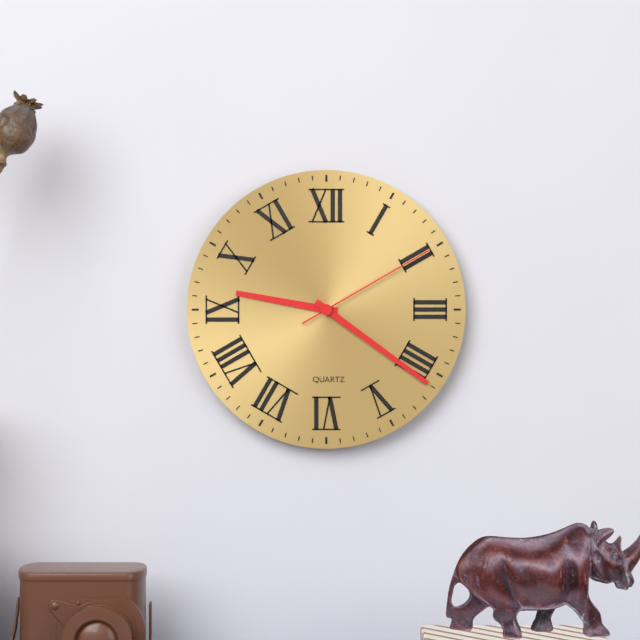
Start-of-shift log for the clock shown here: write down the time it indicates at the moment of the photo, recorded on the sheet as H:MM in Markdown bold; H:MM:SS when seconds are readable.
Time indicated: **9:21:10**
